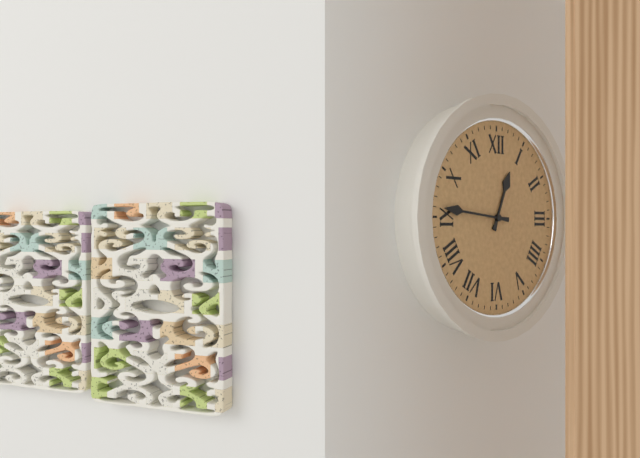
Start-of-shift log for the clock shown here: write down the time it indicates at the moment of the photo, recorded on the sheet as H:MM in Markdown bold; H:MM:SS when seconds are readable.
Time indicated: **12:46**
